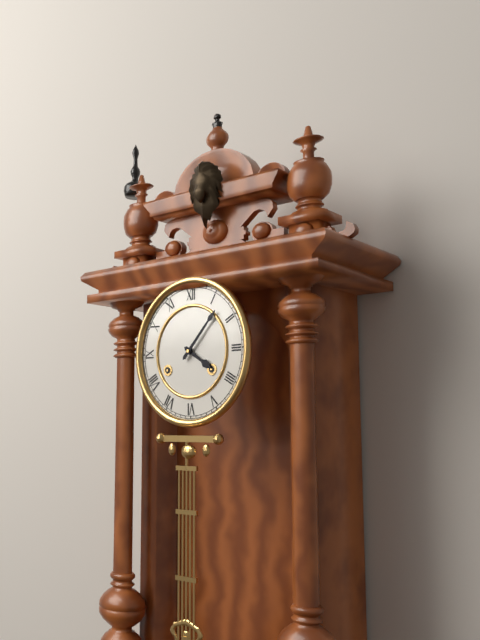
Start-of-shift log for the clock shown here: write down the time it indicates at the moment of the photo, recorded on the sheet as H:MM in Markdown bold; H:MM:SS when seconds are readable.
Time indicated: **4:07**
